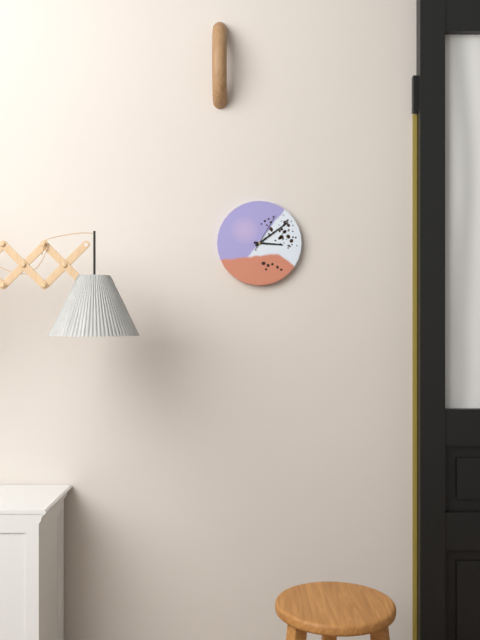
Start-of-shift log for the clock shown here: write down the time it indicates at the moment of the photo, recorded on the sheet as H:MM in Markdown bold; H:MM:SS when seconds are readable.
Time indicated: **3:09**
